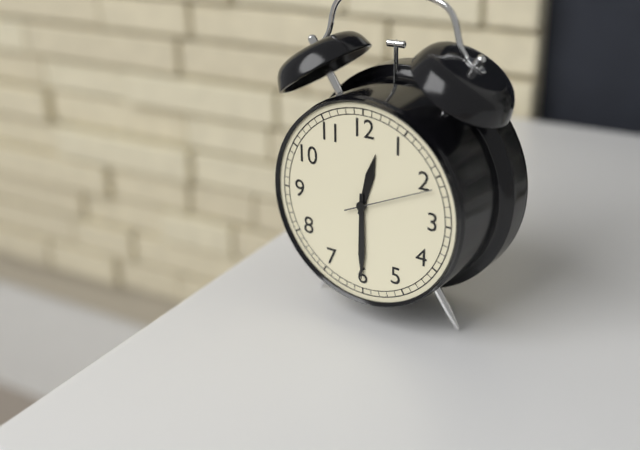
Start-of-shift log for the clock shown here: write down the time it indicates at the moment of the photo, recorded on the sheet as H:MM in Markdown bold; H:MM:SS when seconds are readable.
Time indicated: **12:30:11**
